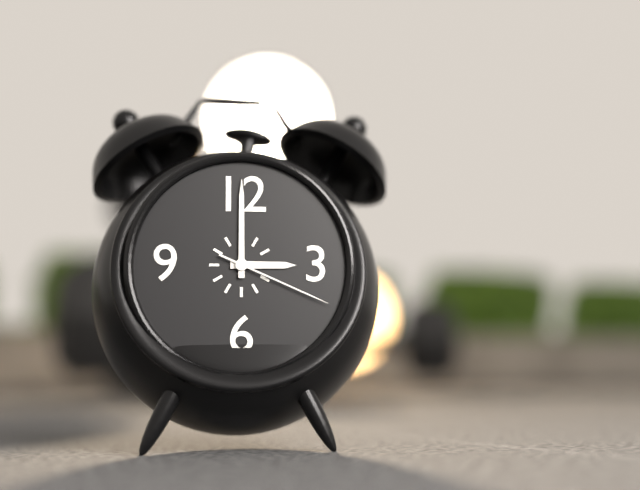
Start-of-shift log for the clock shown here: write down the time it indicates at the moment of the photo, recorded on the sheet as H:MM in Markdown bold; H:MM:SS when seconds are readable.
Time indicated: **3:00:19**
